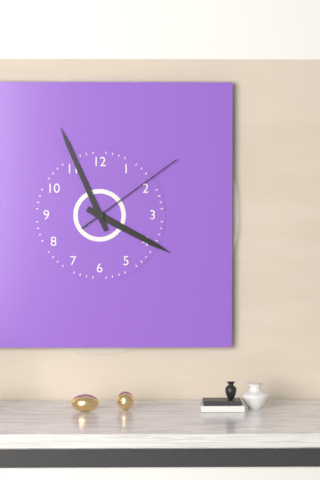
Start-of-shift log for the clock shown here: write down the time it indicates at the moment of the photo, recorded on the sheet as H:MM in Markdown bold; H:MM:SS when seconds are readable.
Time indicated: **3:56:09**
